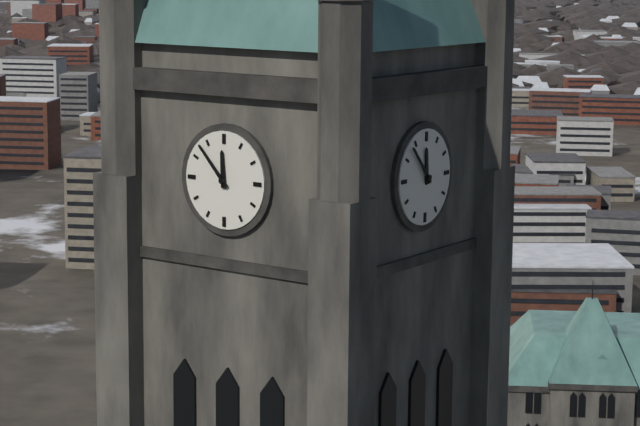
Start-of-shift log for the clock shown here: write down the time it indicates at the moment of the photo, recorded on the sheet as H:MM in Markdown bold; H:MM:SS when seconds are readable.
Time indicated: **11:53**
